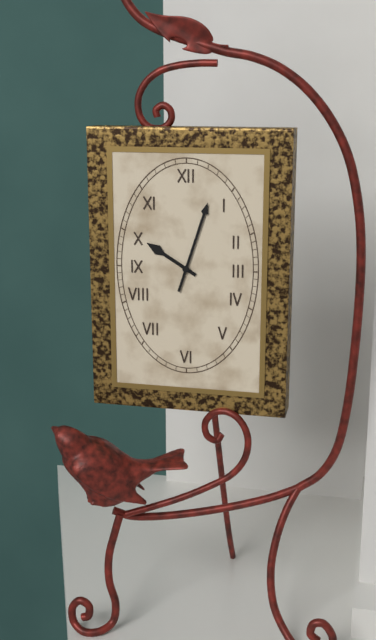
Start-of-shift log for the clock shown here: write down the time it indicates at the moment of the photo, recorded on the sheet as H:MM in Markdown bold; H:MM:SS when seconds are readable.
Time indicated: **10:03**
